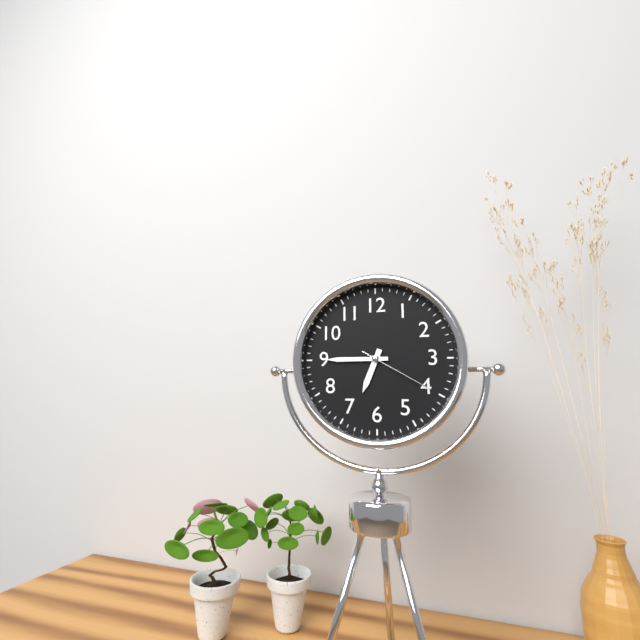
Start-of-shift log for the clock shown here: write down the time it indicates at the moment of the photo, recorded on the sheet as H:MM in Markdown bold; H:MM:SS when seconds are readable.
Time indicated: **6:45:20**
